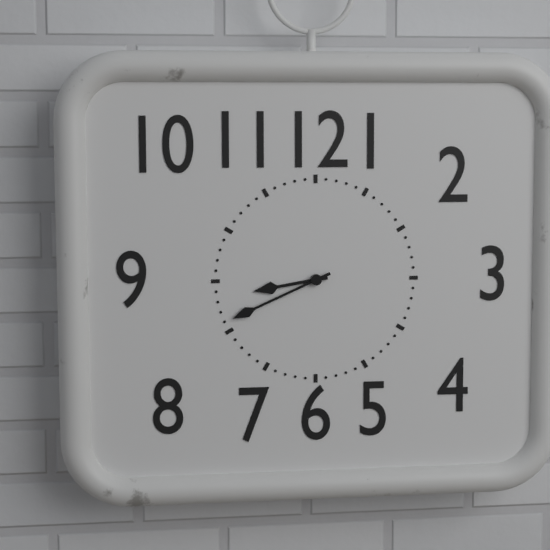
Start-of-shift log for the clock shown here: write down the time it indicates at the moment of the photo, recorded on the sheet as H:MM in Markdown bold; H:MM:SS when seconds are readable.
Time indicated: **8:41**
